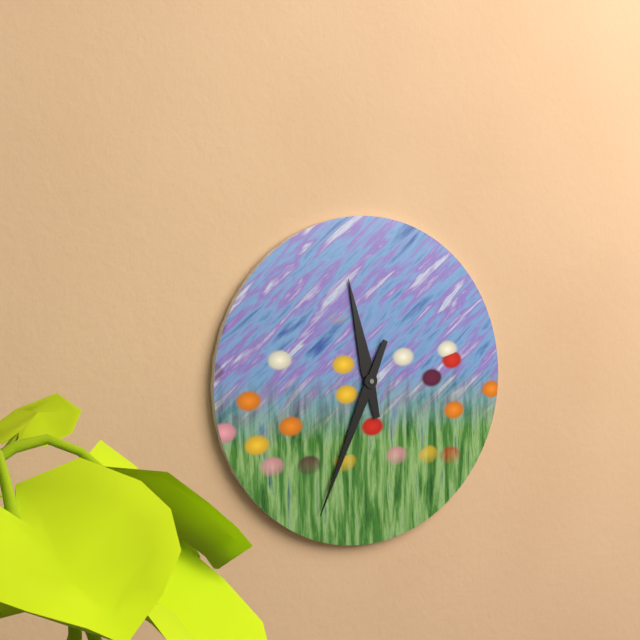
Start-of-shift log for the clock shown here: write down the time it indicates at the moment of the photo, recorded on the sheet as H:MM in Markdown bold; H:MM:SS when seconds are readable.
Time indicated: **11:34**
